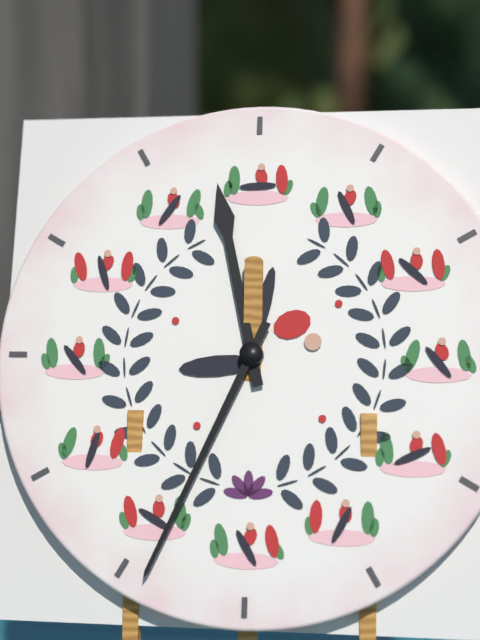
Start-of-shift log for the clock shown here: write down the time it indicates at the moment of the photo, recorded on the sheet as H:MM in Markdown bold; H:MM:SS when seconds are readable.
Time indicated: **11:34**
